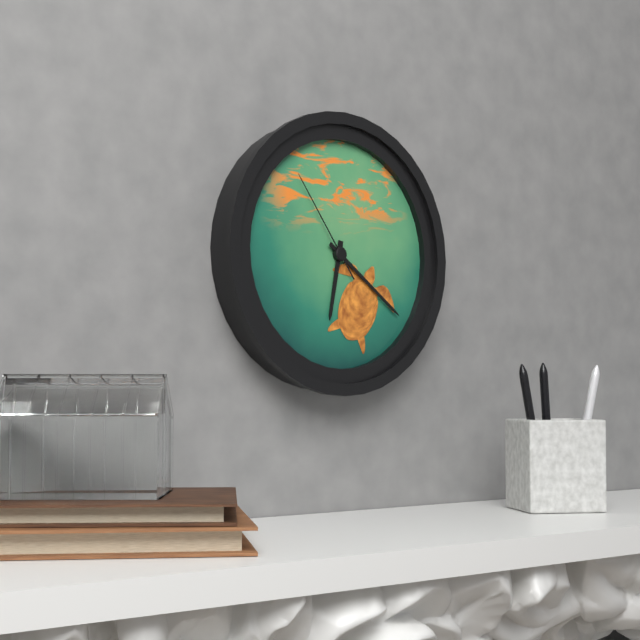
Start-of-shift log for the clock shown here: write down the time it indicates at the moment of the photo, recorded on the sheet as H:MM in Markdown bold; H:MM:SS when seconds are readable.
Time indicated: **6:21:54**
